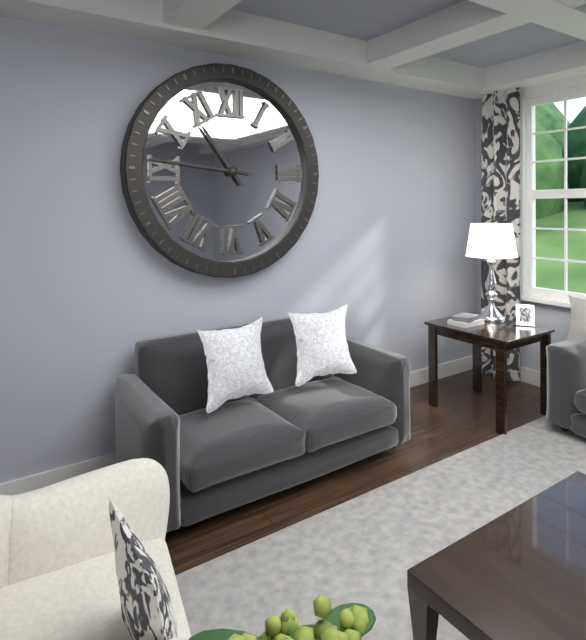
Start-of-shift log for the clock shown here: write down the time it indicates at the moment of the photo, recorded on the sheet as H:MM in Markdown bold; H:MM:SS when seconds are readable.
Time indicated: **10:46**
